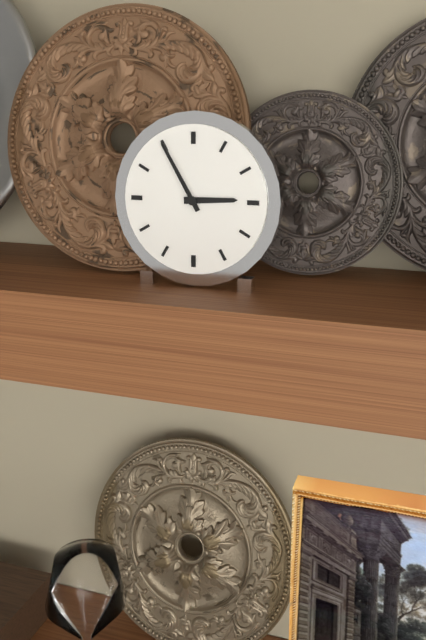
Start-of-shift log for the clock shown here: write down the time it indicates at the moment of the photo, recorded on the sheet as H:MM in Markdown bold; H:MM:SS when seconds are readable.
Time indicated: **2:55**
